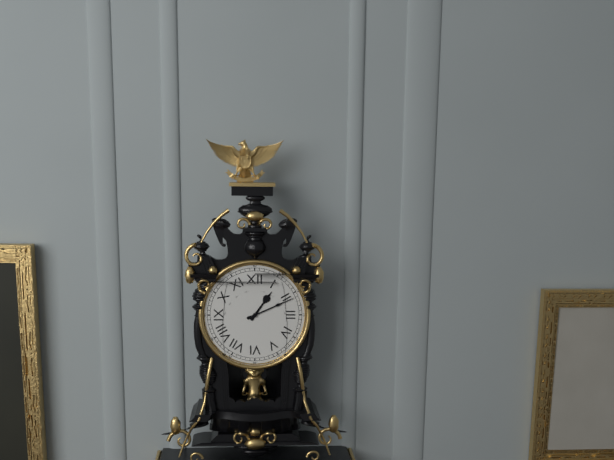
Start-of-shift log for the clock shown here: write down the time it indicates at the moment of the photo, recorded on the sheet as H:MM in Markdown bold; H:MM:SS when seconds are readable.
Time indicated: **1:11**
